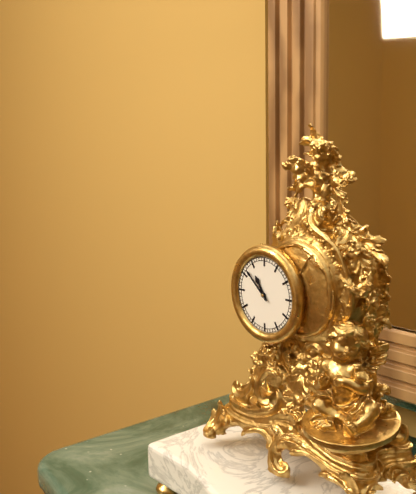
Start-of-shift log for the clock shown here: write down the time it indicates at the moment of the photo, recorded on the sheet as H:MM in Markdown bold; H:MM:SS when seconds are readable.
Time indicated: **10:52**
